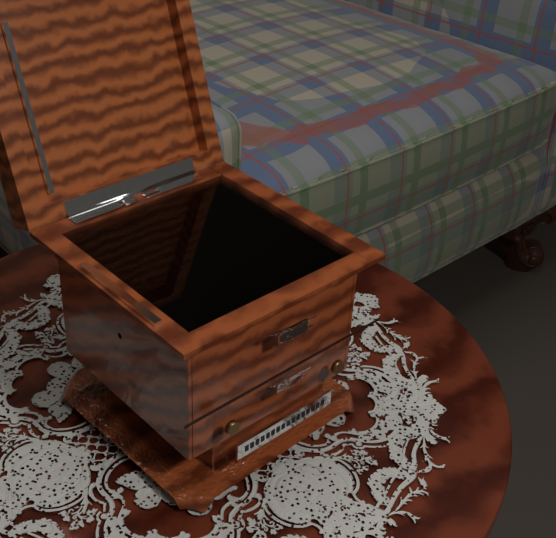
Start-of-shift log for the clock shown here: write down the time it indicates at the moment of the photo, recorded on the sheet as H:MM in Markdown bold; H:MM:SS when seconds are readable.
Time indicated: **5:31**
